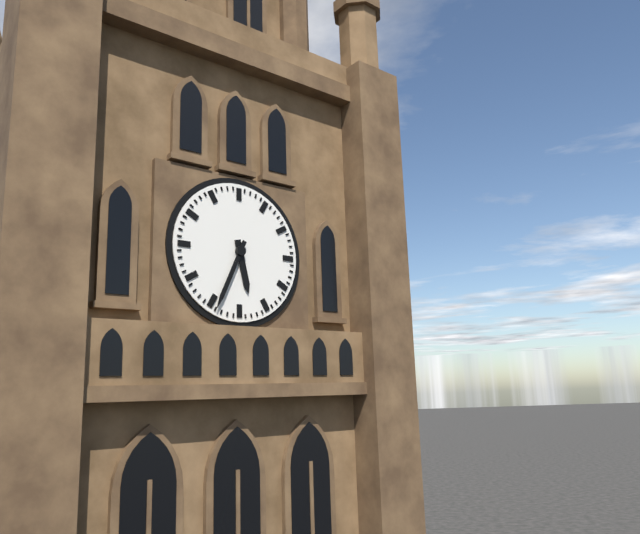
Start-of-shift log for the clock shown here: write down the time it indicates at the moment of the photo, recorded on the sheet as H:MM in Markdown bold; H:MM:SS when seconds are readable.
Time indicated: **5:34**
